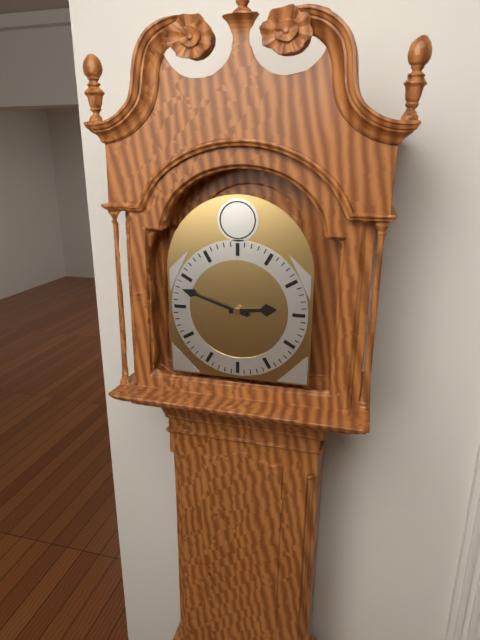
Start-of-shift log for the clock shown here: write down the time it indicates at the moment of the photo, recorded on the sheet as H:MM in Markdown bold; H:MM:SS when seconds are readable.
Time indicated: **2:48**
